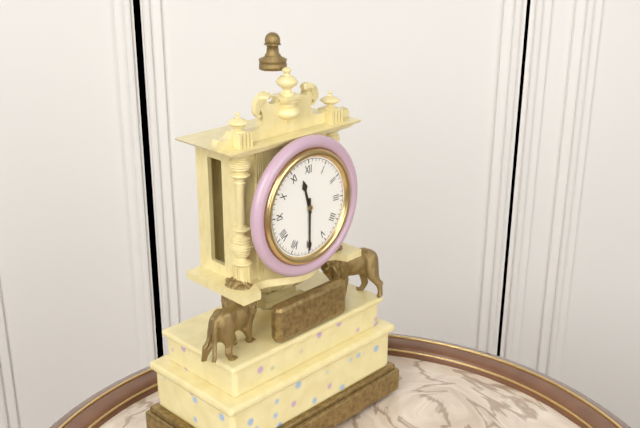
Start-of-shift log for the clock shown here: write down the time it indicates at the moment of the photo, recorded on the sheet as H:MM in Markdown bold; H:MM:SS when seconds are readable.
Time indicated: **11:30**
